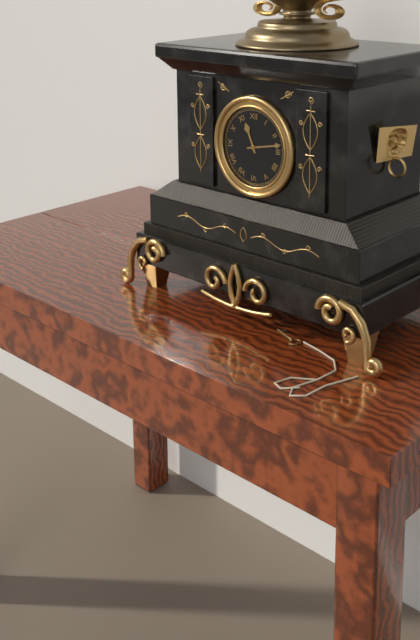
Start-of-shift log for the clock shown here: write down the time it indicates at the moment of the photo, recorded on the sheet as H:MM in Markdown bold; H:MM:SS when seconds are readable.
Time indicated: **11:13**
